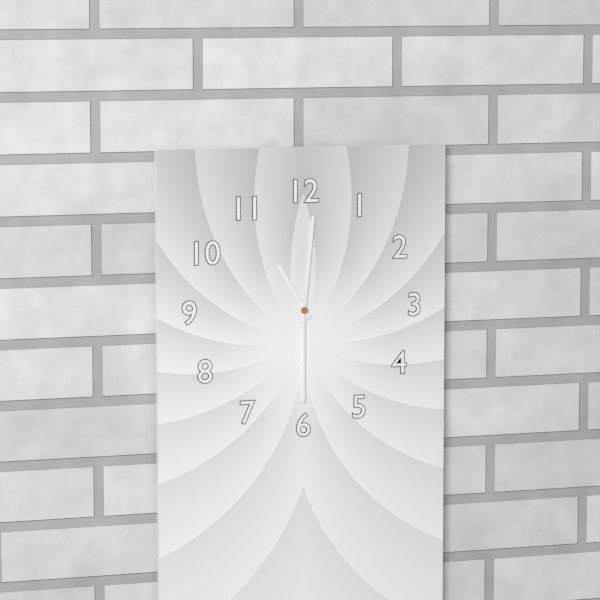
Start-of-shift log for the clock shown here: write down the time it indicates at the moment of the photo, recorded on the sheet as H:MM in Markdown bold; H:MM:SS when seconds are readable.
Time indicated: **11:01:30**
